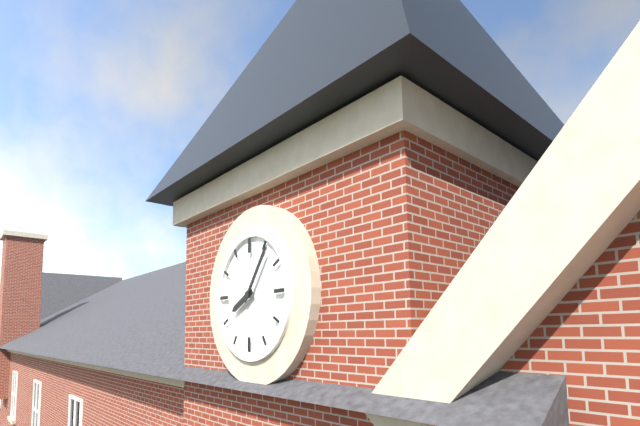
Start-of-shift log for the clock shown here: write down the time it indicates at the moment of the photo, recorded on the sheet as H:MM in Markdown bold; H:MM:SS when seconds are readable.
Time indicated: **8:06**
